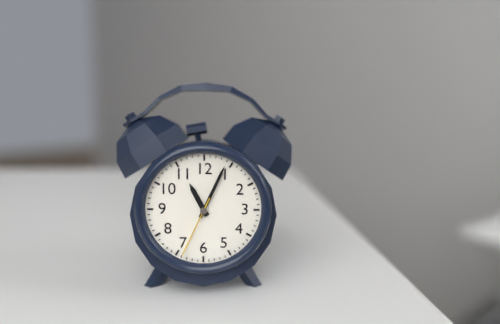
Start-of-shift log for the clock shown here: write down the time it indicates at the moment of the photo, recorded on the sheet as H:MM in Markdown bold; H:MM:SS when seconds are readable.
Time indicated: **11:04:34**
